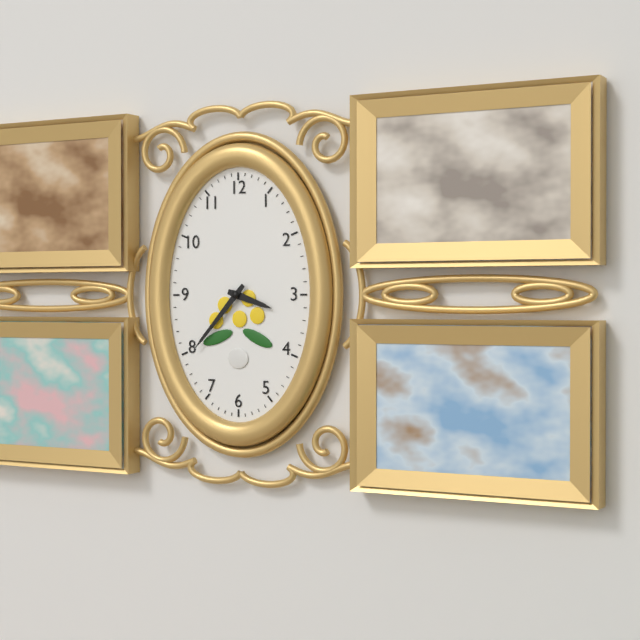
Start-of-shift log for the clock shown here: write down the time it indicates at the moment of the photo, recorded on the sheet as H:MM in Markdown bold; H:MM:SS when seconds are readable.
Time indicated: **3:37**
